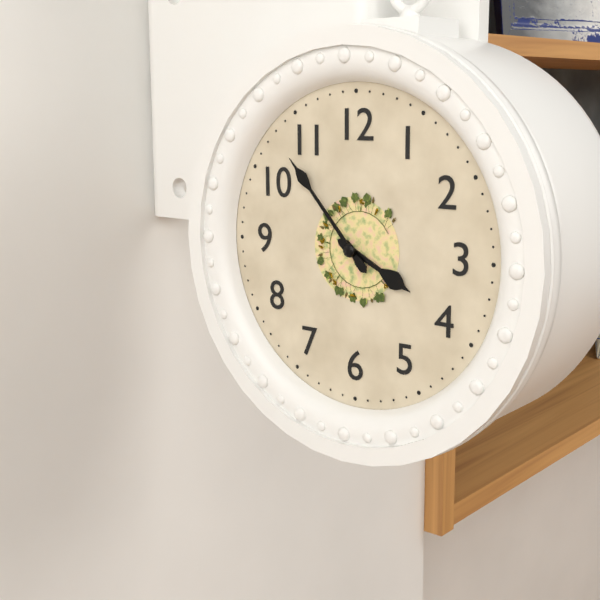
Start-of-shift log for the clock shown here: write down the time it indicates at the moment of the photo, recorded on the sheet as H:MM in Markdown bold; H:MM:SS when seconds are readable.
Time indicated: **3:53**
